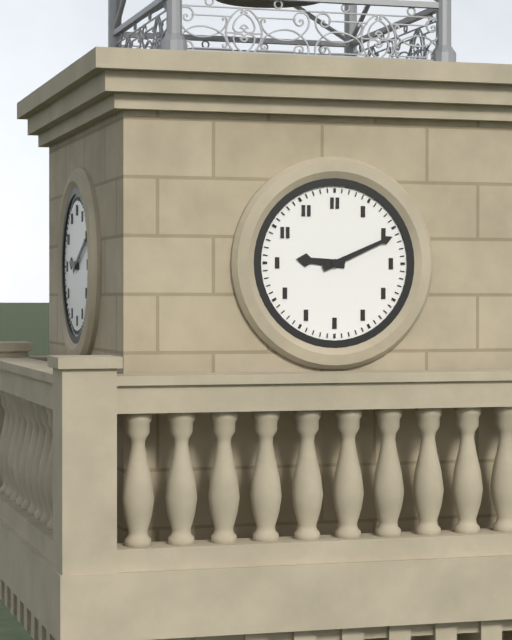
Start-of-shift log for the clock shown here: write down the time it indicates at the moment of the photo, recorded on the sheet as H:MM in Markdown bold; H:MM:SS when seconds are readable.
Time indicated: **9:11**
